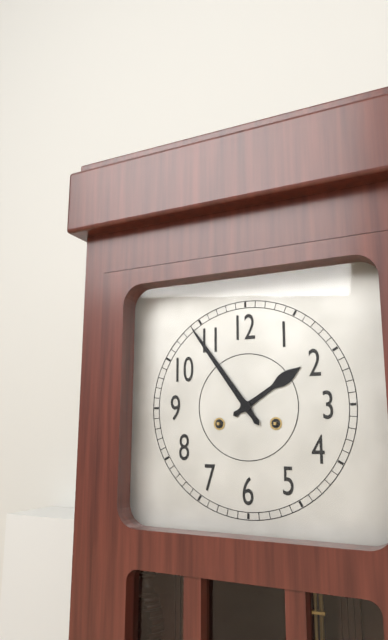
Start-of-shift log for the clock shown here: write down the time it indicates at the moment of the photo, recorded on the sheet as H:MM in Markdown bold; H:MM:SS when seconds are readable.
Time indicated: **1:54**
